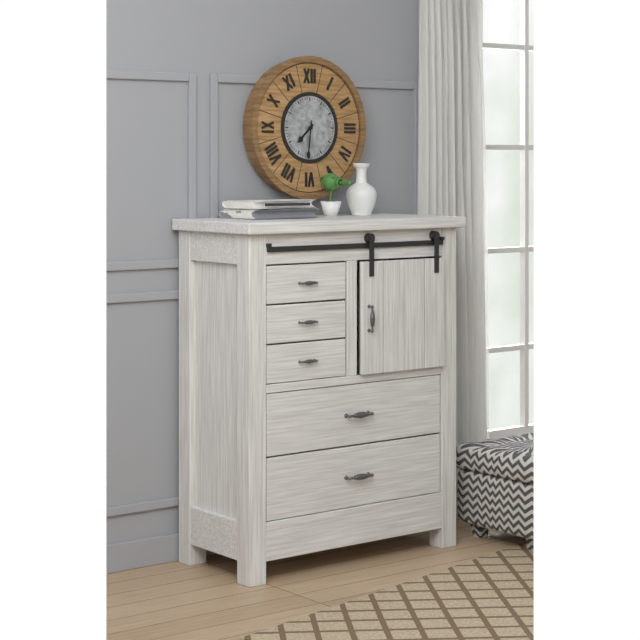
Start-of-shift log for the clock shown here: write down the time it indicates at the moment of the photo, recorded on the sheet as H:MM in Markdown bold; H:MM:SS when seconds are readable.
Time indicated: **7:31**
